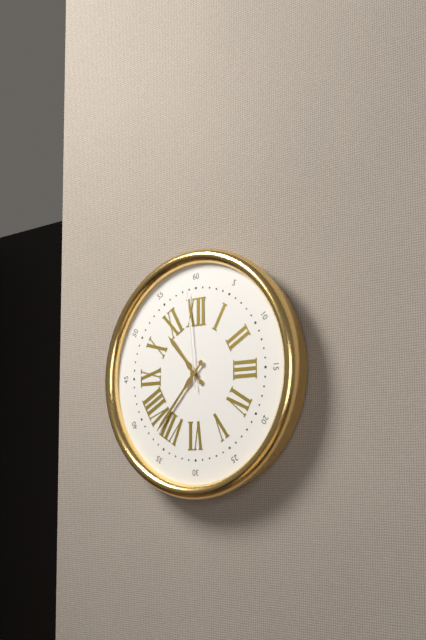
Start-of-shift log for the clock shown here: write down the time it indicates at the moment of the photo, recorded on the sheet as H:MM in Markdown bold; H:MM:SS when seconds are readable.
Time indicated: **10:37:59**
